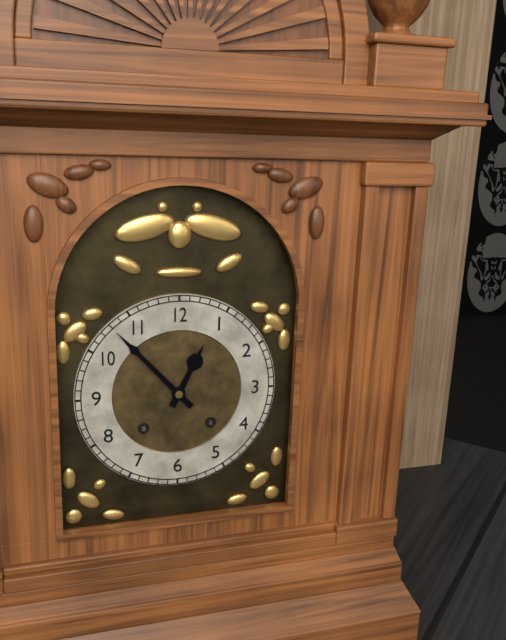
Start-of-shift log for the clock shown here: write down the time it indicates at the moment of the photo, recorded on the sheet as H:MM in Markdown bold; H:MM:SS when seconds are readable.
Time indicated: **12:53**
